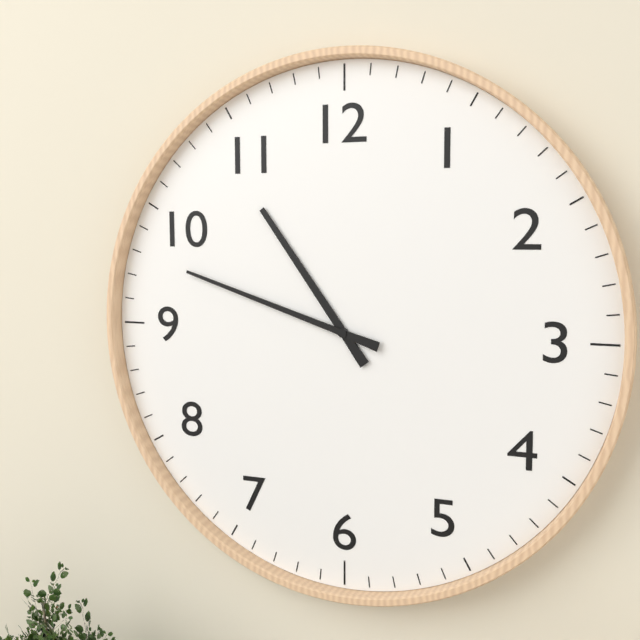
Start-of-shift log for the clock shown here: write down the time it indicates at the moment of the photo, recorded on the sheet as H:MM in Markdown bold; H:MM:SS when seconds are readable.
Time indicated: **10:48**
